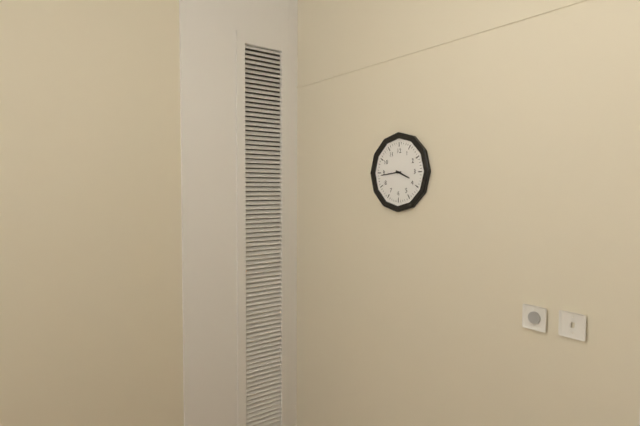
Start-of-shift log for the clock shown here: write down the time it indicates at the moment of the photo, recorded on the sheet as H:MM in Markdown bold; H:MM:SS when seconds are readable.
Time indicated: **3:44**
